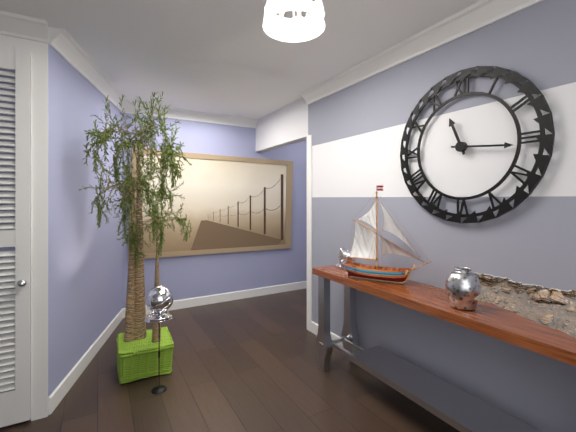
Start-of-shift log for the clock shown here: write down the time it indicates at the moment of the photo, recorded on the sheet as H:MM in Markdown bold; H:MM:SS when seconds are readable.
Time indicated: **11:16**
